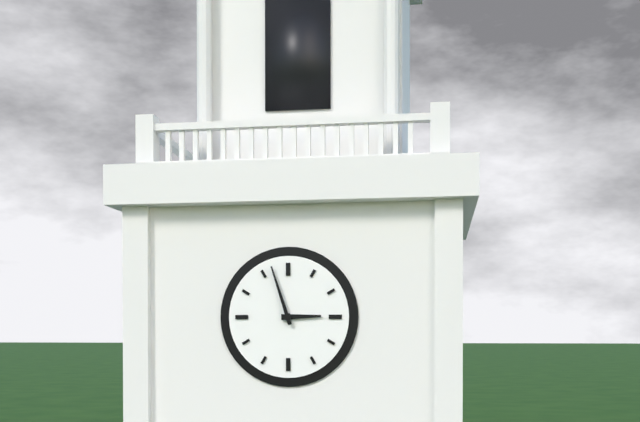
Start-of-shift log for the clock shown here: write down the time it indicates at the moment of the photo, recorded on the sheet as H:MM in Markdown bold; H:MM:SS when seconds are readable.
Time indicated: **2:57**
